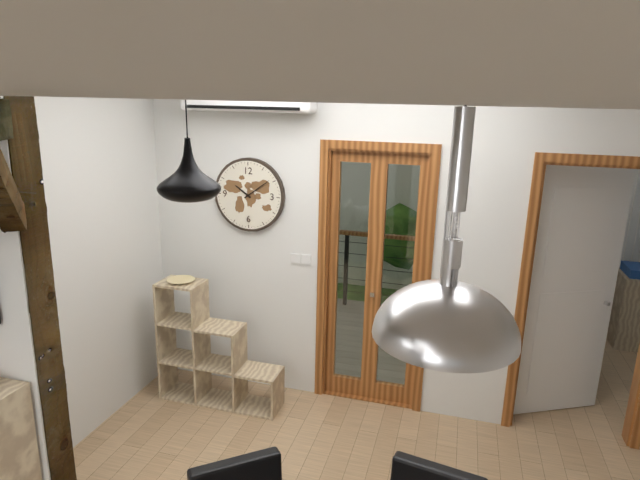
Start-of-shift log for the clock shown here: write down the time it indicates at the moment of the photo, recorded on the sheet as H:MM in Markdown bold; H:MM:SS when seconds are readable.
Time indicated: **10:09**
